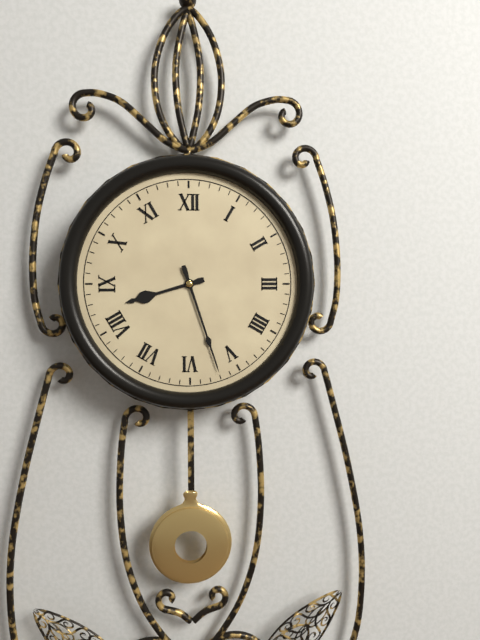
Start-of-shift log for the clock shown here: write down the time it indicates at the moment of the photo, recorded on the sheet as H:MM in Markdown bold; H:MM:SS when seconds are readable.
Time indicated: **8:27**
